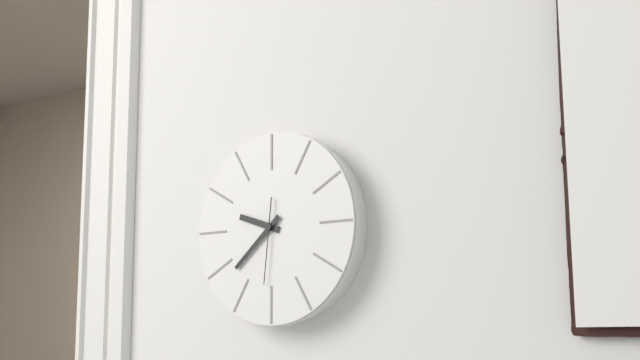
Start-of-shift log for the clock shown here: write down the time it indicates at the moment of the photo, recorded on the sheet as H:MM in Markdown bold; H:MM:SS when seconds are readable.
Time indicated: **9:38:31**
